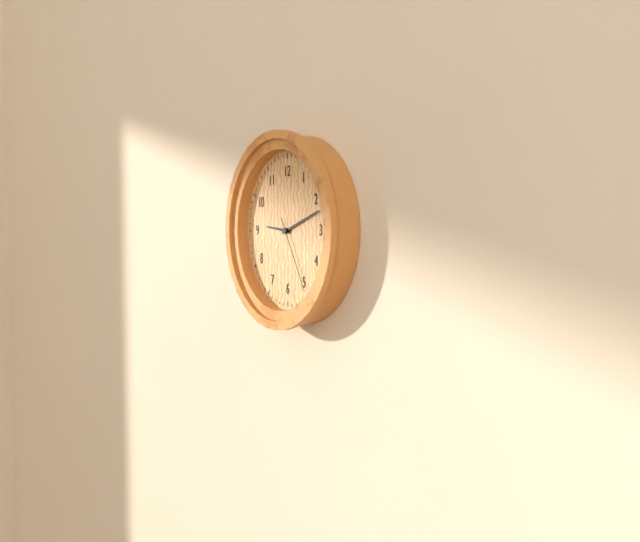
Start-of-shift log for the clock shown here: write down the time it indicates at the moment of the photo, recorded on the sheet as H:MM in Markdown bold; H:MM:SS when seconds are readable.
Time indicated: **9:12:25**
